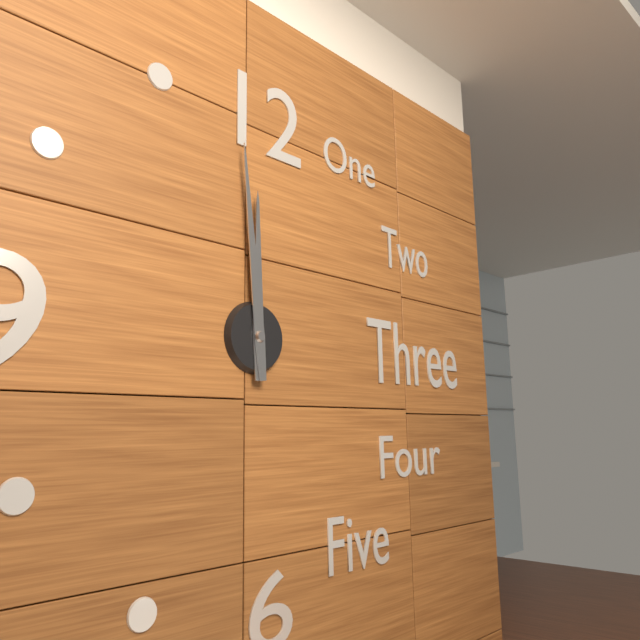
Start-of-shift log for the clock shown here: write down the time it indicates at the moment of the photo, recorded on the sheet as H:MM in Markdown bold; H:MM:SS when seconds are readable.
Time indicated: **11:59**
